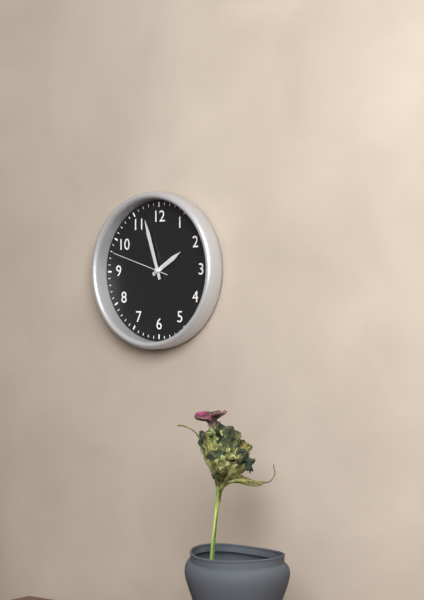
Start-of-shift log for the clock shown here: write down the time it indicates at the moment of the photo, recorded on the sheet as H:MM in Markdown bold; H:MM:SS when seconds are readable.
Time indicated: **1:57:48**
